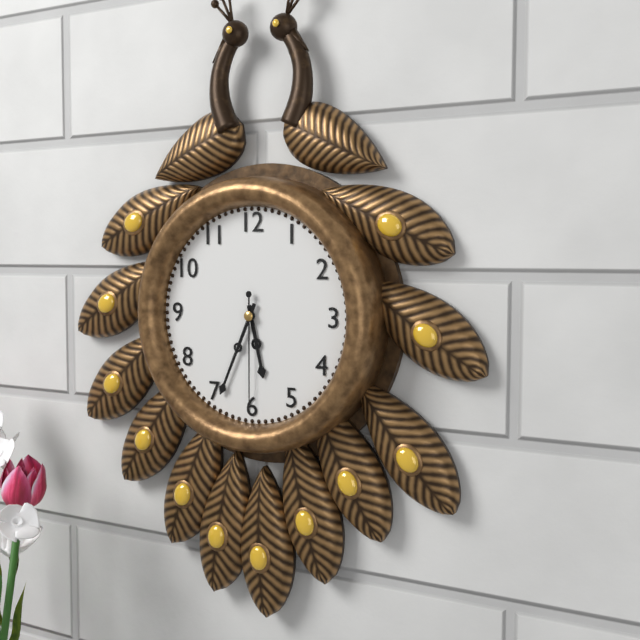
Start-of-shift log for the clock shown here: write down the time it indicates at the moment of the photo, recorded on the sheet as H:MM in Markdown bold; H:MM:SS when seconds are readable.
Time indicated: **5:34:30**
